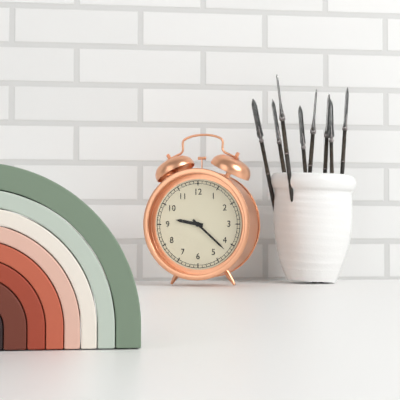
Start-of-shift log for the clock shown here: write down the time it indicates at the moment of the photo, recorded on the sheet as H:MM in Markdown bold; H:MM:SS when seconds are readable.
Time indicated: **9:22**
